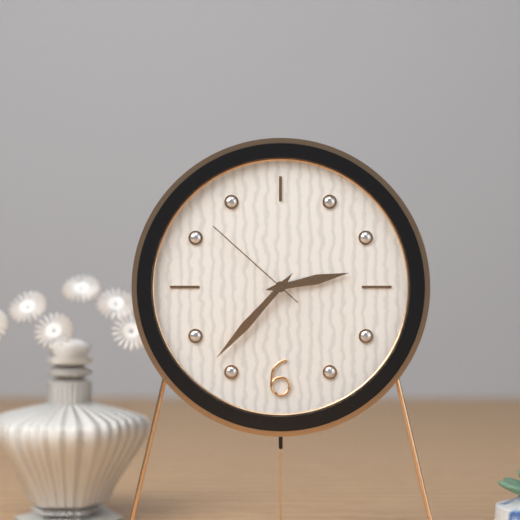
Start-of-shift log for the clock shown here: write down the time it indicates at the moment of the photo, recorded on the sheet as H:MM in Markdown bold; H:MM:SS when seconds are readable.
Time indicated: **2:37:52**
